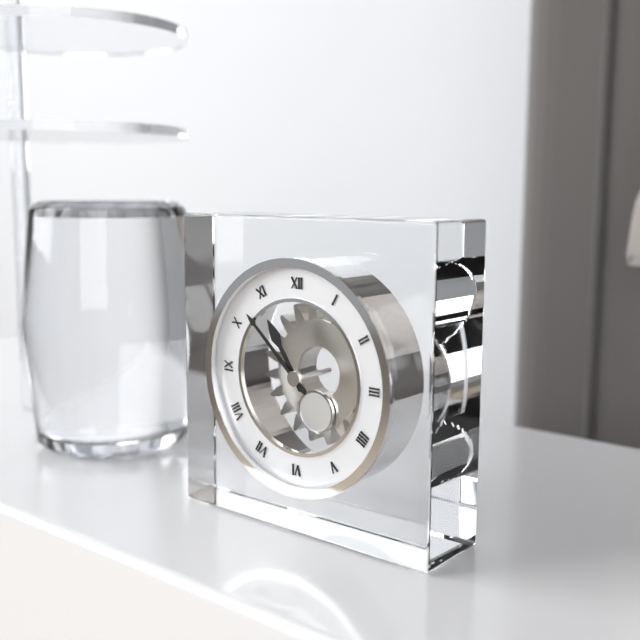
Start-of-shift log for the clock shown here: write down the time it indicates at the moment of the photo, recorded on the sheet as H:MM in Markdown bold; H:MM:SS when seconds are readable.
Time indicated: **10:52**
